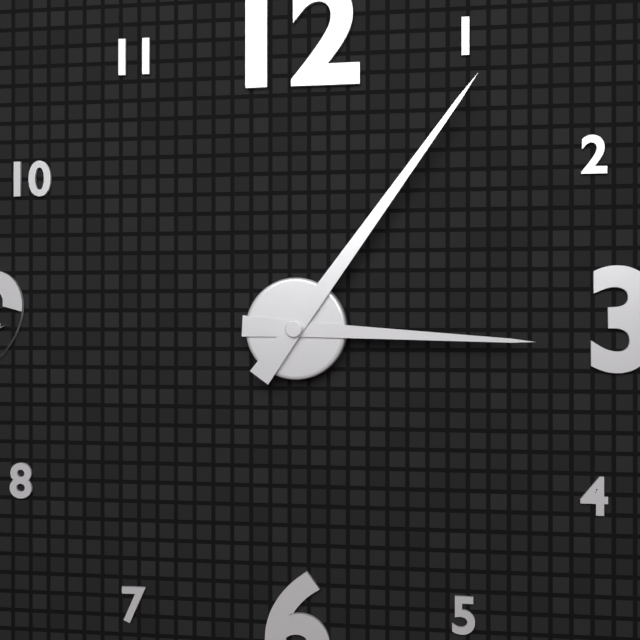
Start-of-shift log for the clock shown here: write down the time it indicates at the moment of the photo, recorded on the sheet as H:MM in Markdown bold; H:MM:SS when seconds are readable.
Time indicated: **3:06**
